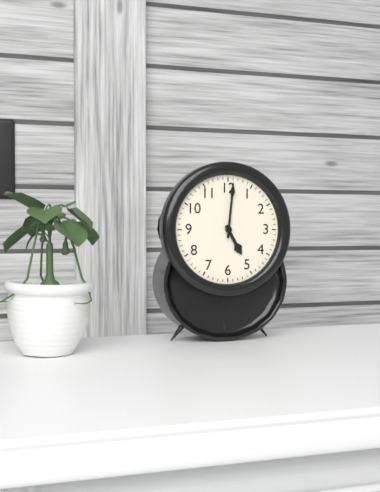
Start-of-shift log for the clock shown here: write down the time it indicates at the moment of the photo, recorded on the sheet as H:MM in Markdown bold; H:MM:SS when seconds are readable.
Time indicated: **5:01**
